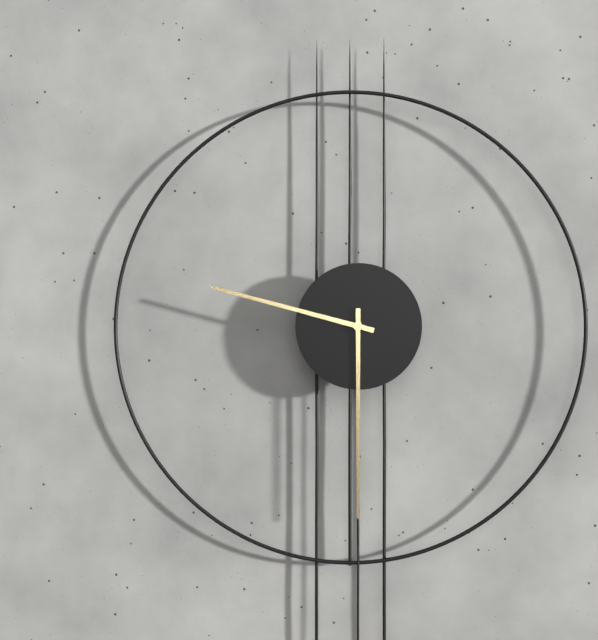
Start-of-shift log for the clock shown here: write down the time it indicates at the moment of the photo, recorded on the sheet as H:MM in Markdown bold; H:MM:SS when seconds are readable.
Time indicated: **9:30**
